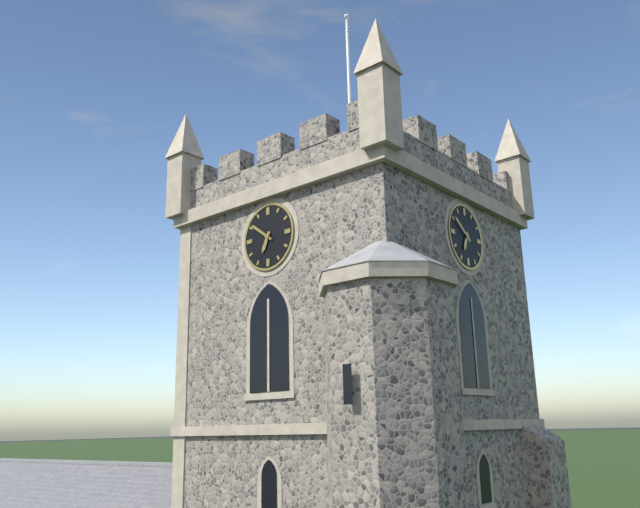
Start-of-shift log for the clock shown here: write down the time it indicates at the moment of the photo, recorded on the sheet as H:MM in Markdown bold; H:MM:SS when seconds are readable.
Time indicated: **6:51**
